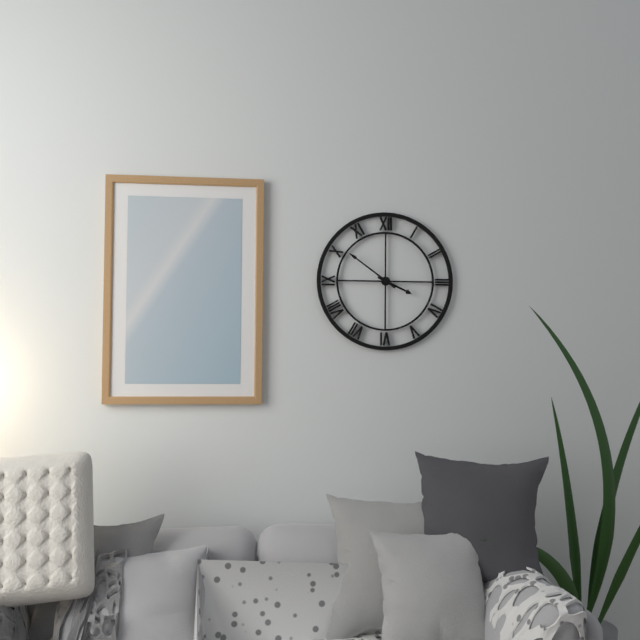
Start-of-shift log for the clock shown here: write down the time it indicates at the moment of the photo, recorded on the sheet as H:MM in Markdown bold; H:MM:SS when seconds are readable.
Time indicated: **3:51**
